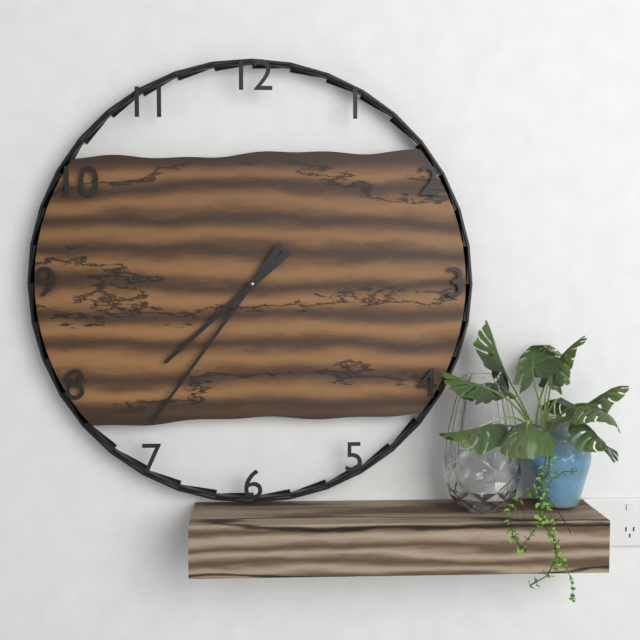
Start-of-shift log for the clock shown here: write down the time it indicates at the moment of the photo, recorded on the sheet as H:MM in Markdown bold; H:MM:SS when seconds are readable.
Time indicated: **7:36**
